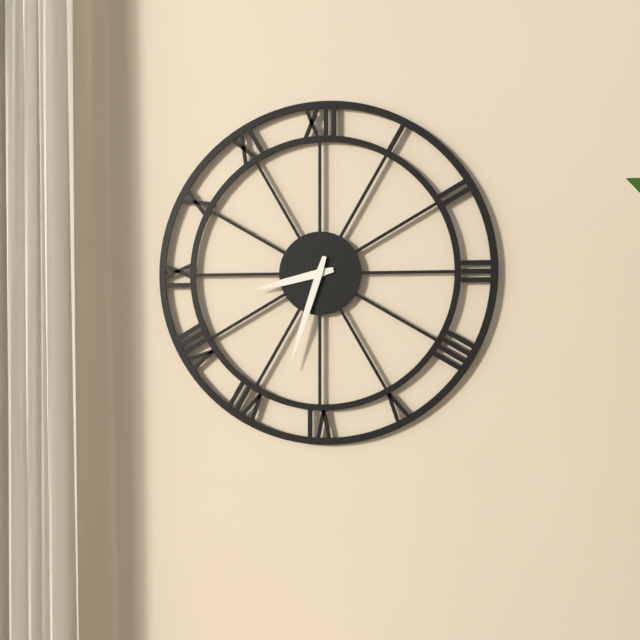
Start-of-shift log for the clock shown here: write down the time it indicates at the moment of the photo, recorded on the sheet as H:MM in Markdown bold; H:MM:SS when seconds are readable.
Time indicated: **8:33**
